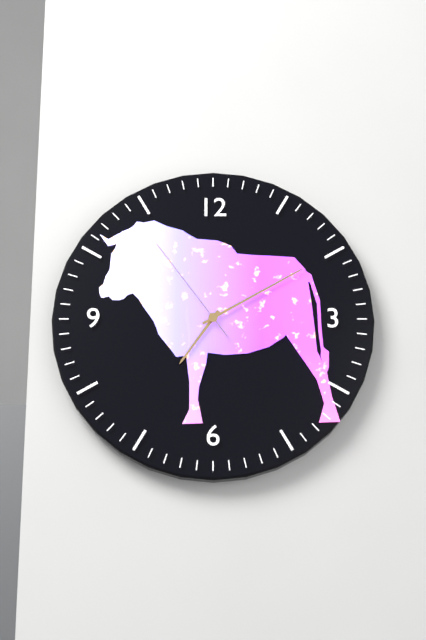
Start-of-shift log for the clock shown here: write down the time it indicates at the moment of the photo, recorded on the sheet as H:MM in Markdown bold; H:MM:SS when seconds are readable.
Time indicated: **7:10:54**
